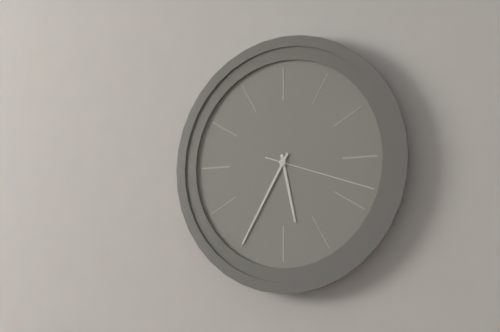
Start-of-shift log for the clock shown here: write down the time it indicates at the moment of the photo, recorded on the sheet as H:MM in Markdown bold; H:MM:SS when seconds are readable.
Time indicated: **5:35:18**
